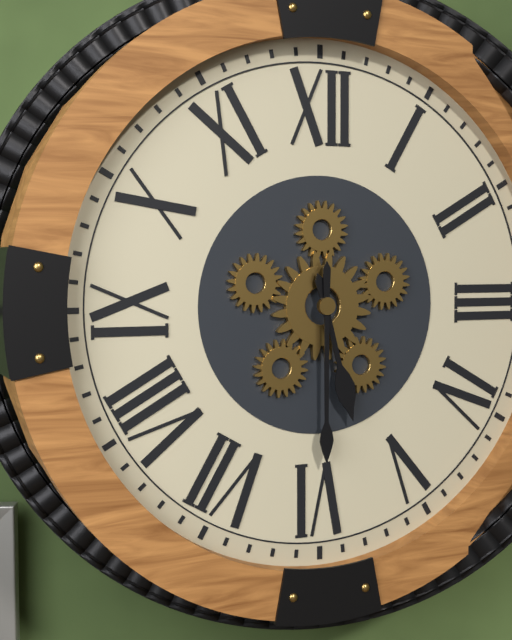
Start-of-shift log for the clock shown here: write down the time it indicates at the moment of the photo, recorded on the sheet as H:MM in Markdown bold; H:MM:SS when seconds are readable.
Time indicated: **5:30**
